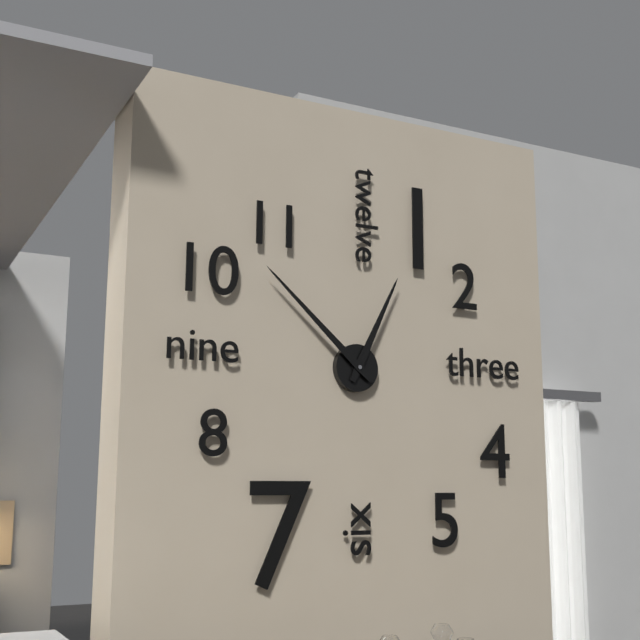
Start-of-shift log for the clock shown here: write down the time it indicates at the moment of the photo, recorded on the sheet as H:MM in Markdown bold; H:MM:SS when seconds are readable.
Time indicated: **12:52**
